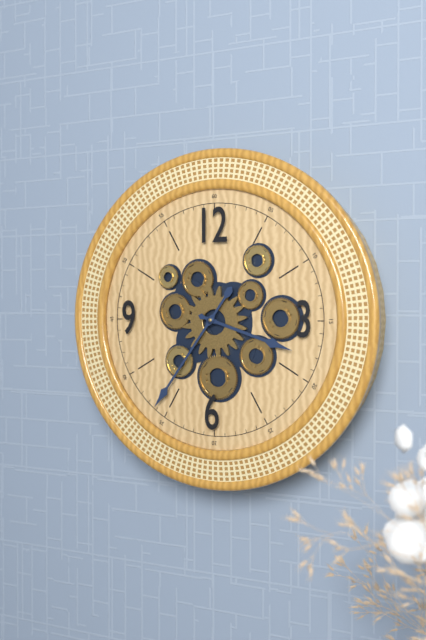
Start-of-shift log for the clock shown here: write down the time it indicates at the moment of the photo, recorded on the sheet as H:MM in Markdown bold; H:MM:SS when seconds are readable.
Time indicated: **3:36**
